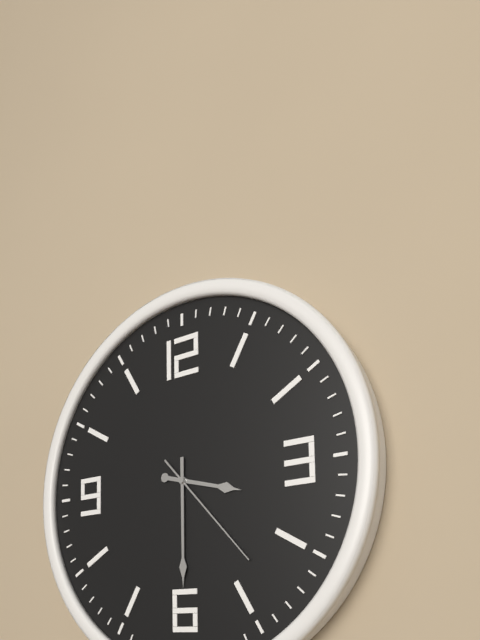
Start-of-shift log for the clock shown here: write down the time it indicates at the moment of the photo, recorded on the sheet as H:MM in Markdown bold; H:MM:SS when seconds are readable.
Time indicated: **3:30:23**
